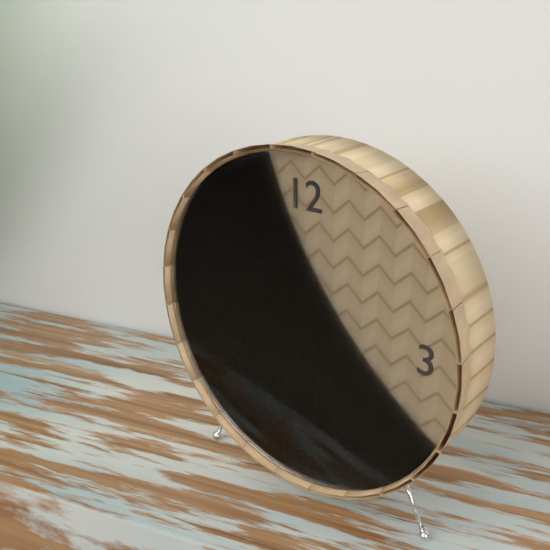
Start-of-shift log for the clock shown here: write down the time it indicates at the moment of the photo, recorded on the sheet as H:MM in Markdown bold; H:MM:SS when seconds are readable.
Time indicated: **8:52**
